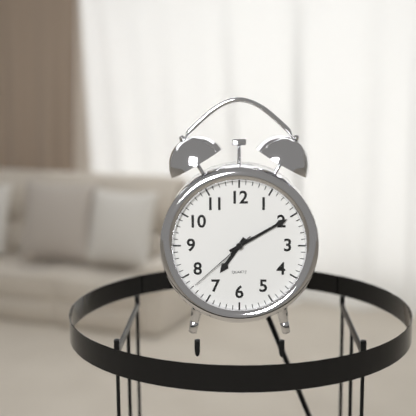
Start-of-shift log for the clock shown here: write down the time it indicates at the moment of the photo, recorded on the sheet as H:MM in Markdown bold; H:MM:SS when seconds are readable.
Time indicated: **7:10:38**
